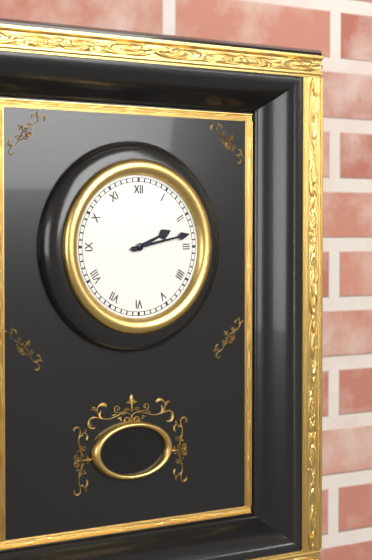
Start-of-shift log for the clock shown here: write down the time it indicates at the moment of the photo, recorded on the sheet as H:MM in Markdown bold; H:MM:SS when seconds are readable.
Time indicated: **2:13**
